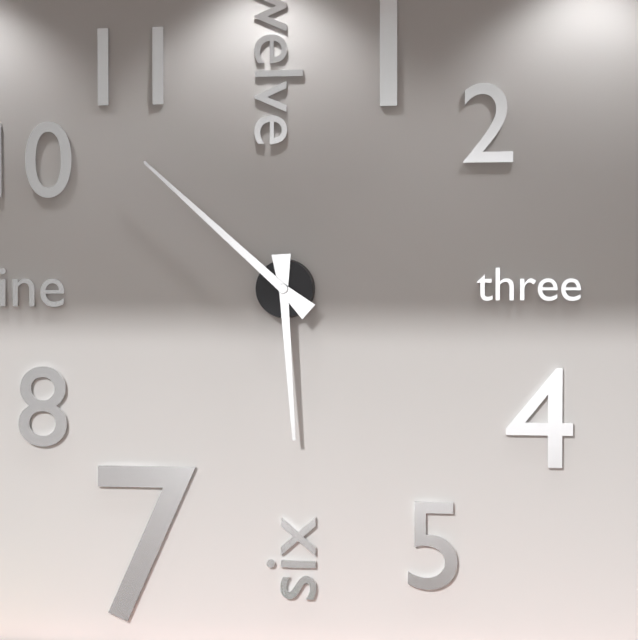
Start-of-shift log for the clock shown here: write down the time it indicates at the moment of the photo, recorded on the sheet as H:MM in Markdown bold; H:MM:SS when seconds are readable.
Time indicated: **5:52**
